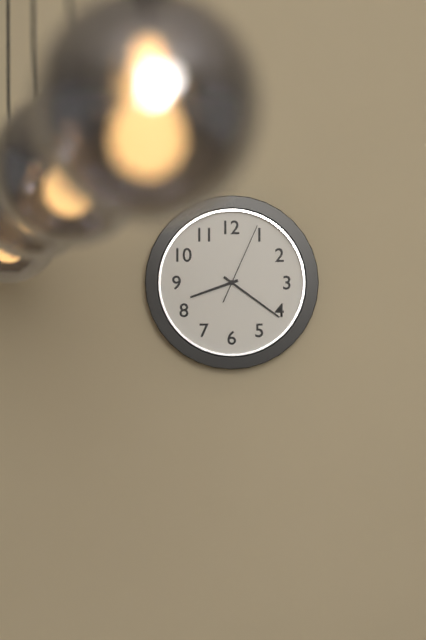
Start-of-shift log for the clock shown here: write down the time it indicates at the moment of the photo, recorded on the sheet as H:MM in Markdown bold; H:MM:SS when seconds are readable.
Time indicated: **8:21:04**
